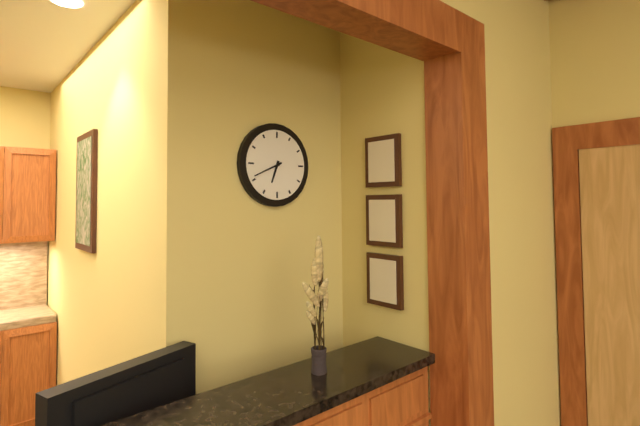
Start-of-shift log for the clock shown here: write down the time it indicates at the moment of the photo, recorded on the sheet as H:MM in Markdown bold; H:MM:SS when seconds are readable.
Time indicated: **6:41**
